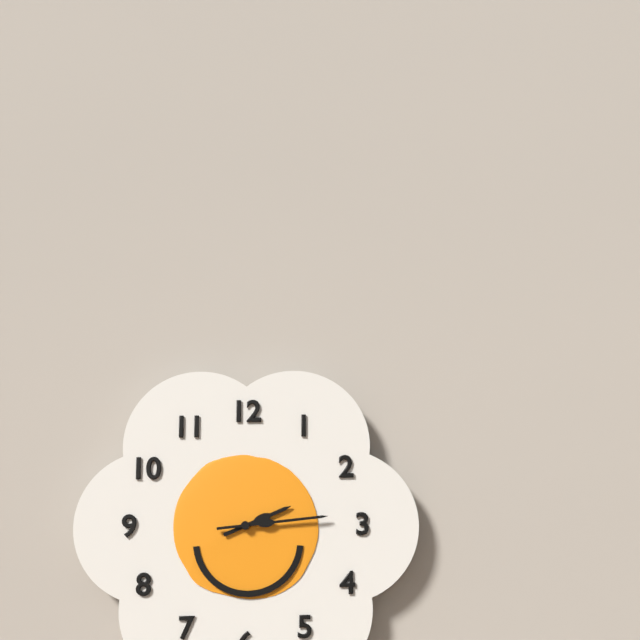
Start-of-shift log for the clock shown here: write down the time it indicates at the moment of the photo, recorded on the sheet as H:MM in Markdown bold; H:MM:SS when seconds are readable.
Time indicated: **2:14**
